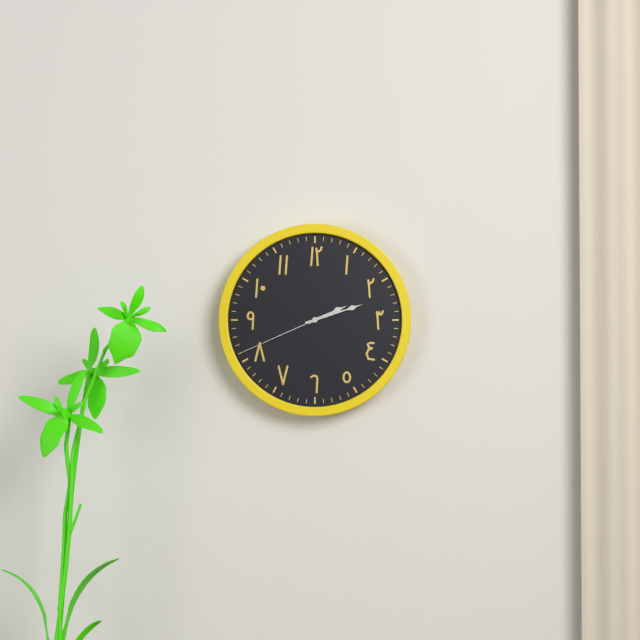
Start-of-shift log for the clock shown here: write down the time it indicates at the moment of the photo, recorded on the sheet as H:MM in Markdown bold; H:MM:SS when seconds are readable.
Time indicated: **2:12:41**
